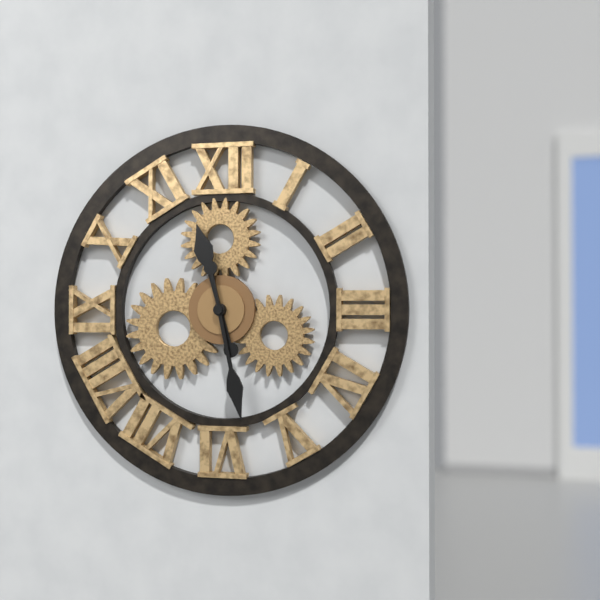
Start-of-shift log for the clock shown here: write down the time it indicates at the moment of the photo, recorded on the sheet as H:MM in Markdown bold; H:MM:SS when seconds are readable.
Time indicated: **11:28**
